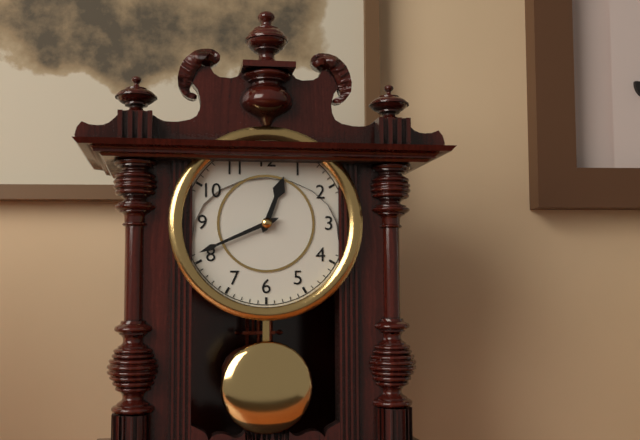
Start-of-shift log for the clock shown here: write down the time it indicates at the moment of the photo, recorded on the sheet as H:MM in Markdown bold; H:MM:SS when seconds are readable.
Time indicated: **12:41**
